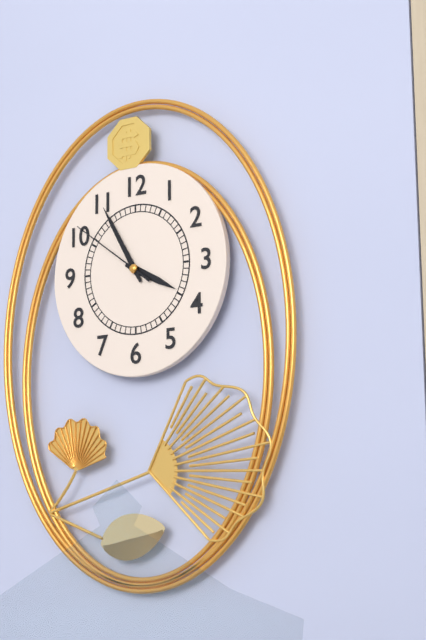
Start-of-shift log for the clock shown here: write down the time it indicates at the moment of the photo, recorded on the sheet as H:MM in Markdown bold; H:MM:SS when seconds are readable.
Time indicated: **3:55:51**
